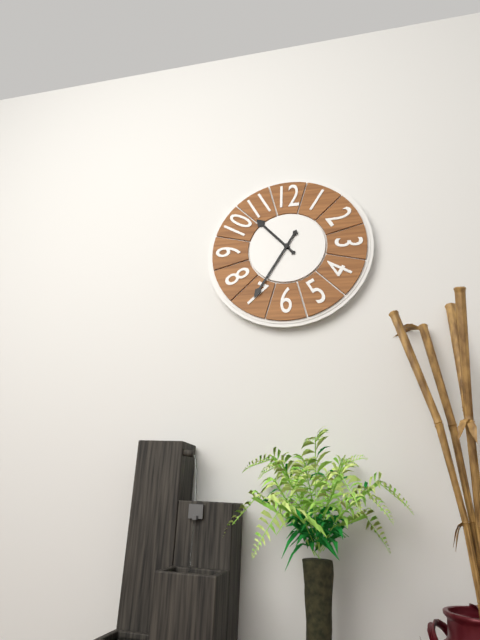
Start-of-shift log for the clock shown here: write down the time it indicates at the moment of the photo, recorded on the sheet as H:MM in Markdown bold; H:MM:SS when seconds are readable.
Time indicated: **10:35**
